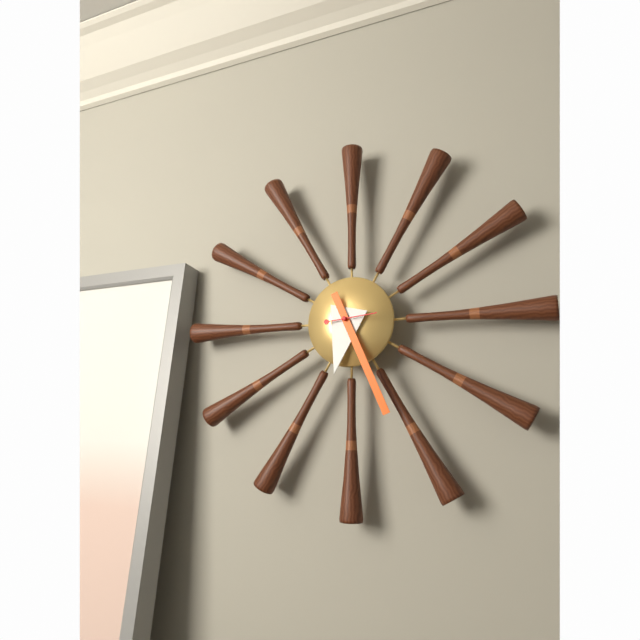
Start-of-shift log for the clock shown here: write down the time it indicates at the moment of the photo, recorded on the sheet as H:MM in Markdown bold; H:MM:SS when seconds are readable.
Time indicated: **6:26**
